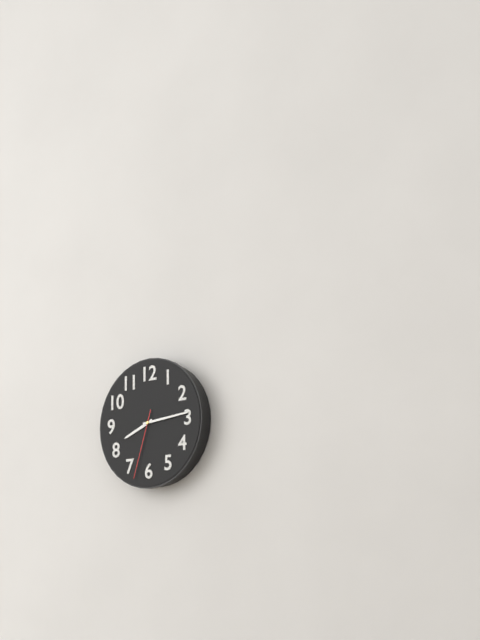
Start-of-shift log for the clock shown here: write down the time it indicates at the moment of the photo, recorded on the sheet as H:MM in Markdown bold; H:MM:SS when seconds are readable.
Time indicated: **8:14:33**
